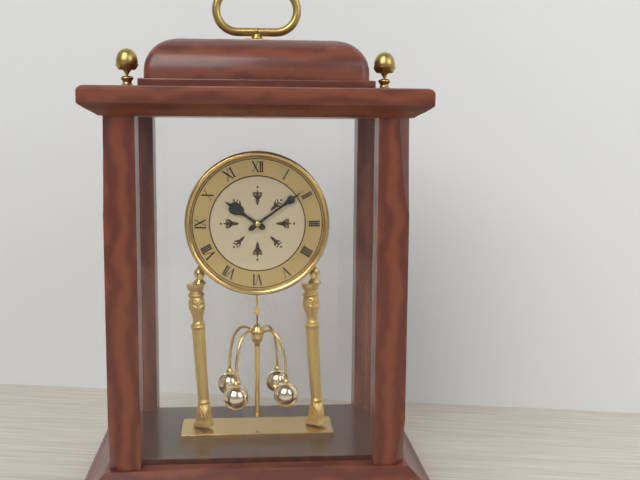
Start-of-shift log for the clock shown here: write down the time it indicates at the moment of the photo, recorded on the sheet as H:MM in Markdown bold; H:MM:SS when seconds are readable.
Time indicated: **10:09**
